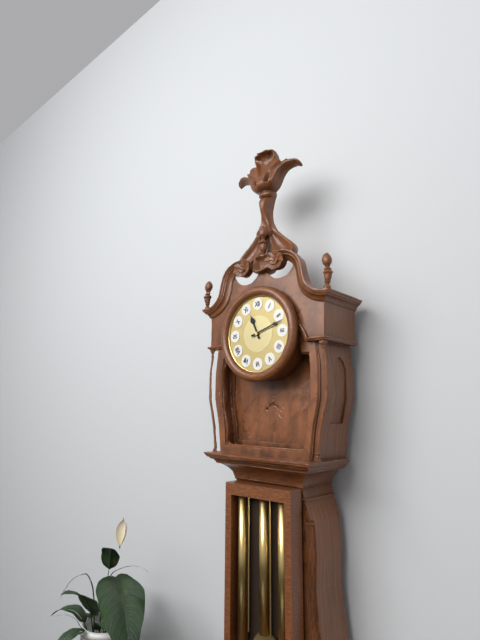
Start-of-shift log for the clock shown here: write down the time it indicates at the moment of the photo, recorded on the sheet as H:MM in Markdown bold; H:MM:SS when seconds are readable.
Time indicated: **11:12**
